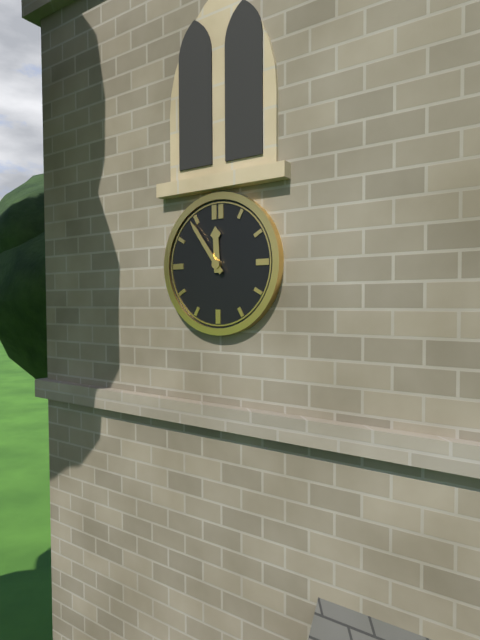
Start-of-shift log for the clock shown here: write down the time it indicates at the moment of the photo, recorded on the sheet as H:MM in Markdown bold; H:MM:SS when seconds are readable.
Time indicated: **11:54**
